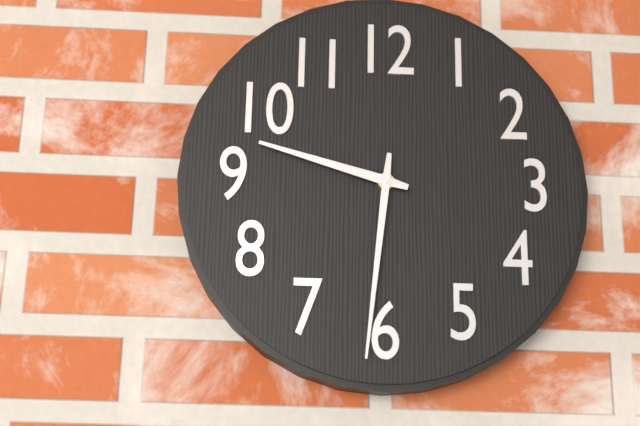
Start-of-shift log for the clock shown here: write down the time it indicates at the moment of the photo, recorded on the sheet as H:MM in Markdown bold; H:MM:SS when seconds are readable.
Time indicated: **9:31**
